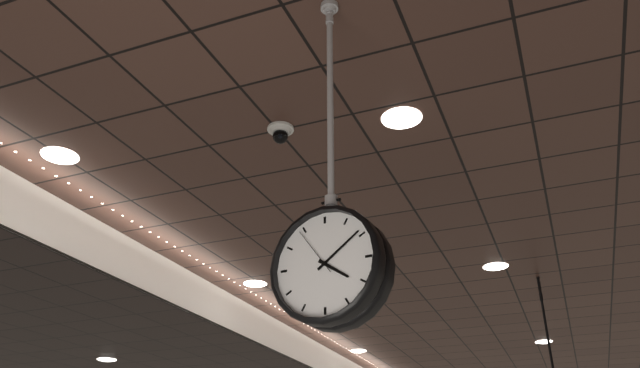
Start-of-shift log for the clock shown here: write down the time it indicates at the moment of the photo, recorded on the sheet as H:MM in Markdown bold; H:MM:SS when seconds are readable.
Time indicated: **4:09:54**
